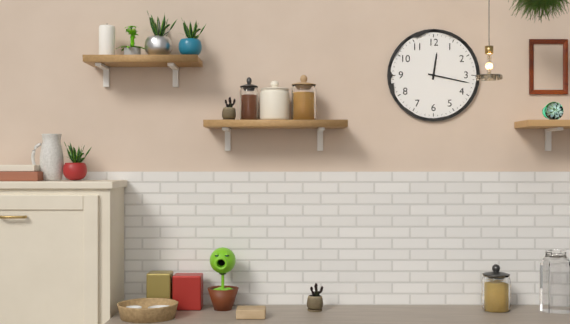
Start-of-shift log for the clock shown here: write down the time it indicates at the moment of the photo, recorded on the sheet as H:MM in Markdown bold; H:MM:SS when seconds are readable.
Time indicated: **12:17**
